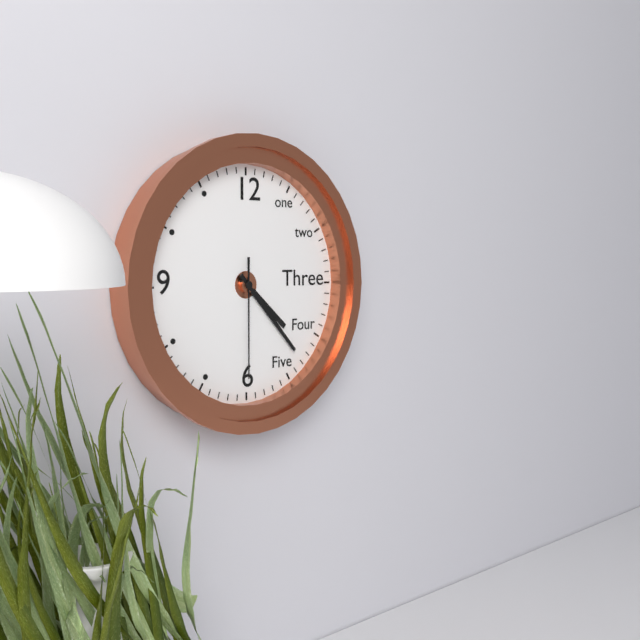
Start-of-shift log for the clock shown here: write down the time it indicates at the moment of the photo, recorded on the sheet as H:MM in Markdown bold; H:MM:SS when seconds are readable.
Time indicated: **4:23:30**
